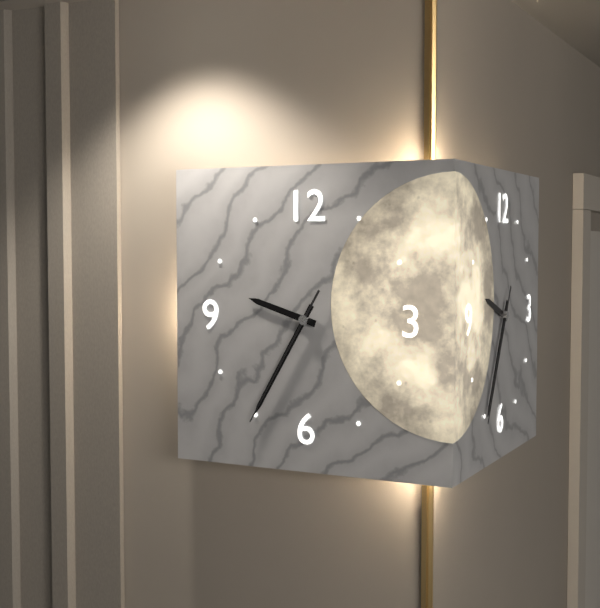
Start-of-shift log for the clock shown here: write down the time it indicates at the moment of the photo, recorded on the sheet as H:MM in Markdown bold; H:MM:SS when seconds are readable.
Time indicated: **9:35:35**
